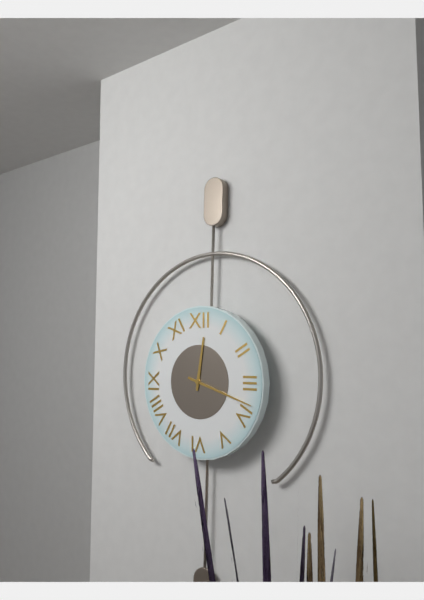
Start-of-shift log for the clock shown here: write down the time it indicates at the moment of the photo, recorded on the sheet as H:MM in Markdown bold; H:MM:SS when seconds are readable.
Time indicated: **12:18**
